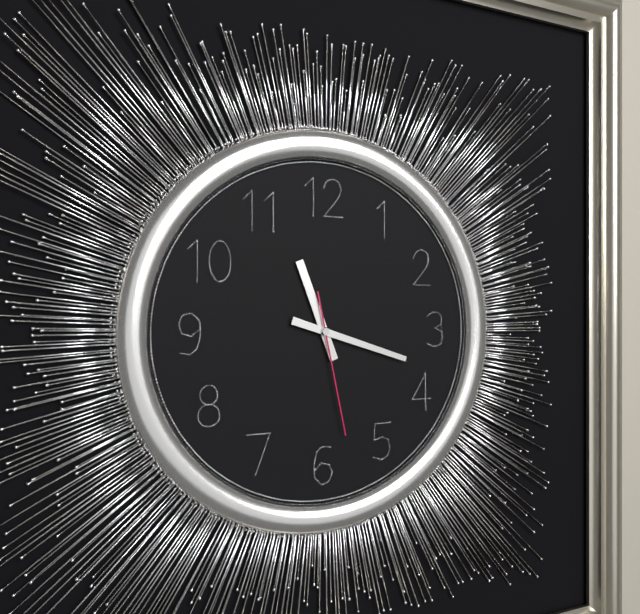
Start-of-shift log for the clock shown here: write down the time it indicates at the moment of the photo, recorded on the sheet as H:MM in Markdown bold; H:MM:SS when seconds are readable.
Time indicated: **11:18:28**
